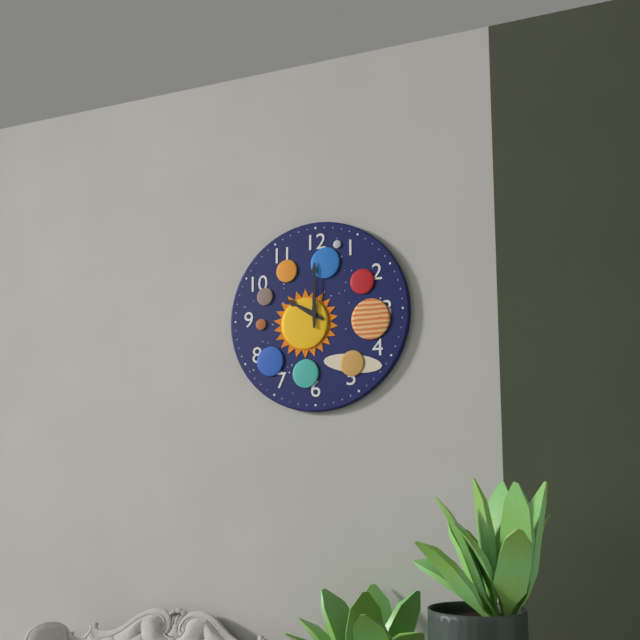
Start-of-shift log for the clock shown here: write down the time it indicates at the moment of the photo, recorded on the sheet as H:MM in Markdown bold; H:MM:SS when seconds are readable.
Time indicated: **10:00**
